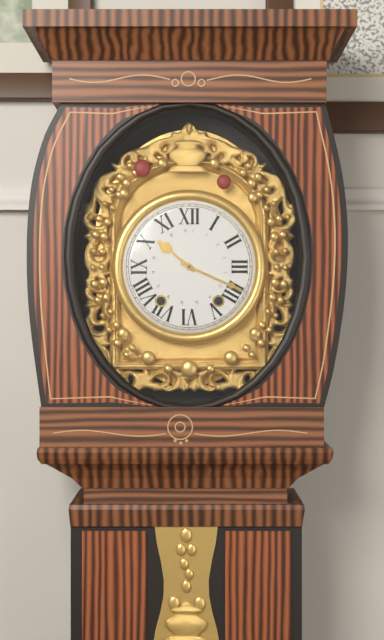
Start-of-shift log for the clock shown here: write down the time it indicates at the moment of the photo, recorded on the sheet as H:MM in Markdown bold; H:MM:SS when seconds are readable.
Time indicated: **10:19**
